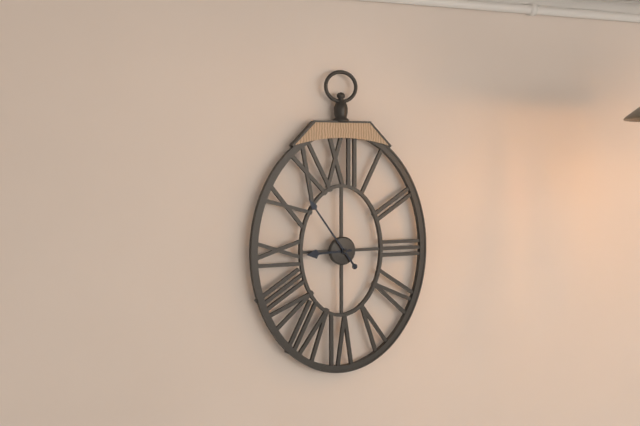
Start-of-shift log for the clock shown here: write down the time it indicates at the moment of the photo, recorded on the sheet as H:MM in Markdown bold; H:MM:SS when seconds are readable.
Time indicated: **8:54**
